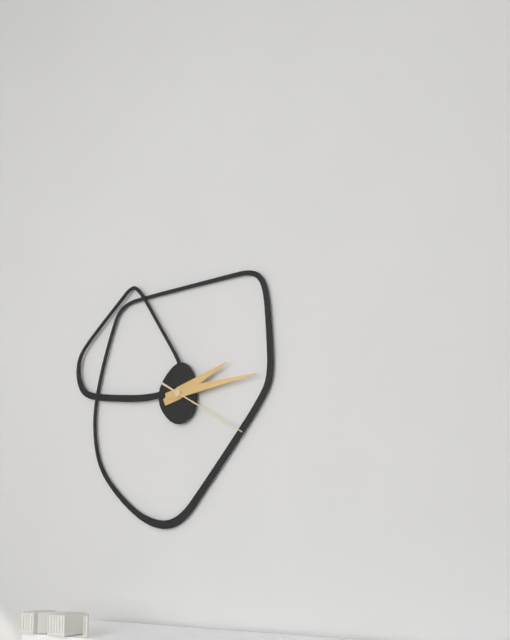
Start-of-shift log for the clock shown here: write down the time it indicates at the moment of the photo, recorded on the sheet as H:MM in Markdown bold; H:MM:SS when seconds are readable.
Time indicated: **2:14:20**
